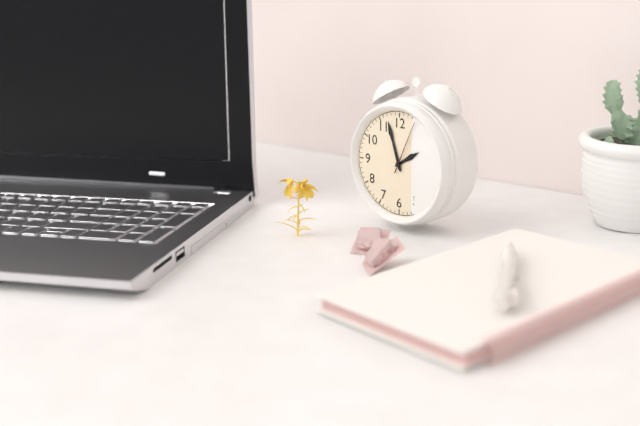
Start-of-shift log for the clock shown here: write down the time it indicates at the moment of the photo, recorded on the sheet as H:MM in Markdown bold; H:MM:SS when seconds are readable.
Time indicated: **1:57:04**
